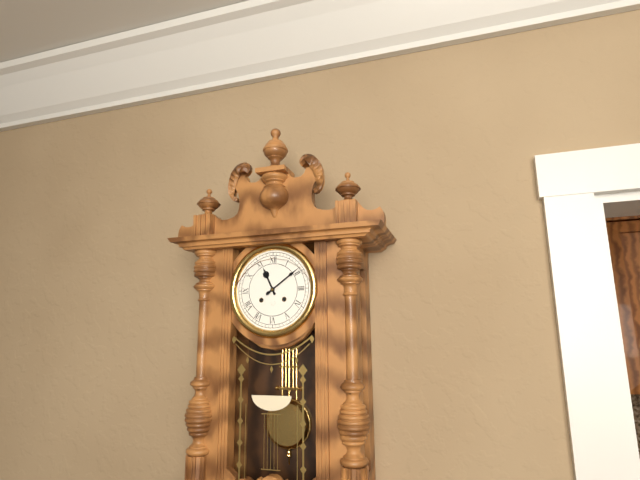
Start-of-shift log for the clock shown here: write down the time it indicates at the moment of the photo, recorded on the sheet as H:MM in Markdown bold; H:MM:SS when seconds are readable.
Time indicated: **11:09**
